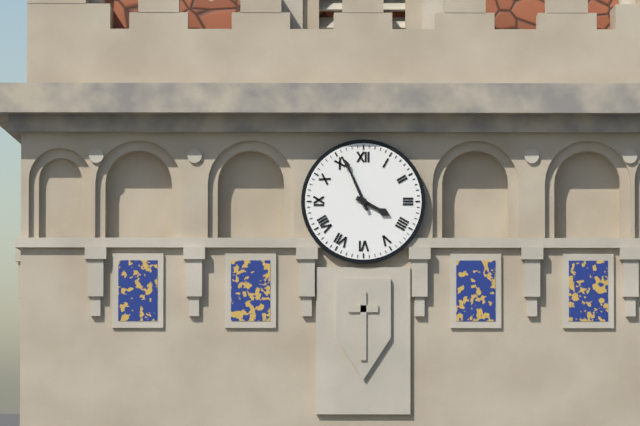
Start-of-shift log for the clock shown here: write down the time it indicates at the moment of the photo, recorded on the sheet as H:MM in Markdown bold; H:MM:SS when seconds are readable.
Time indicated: **3:56**
